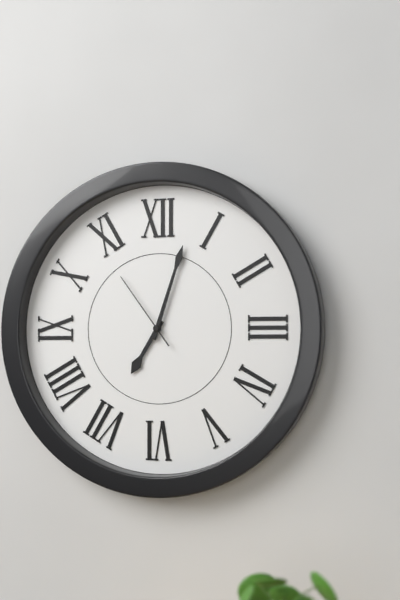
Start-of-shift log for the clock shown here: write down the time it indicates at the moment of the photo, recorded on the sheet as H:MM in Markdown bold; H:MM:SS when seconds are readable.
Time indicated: **7:03:54**
